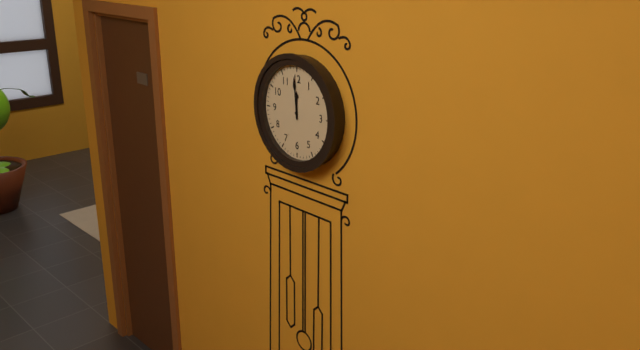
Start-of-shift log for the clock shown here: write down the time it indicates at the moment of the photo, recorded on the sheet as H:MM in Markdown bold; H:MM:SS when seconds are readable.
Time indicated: **11:59**
